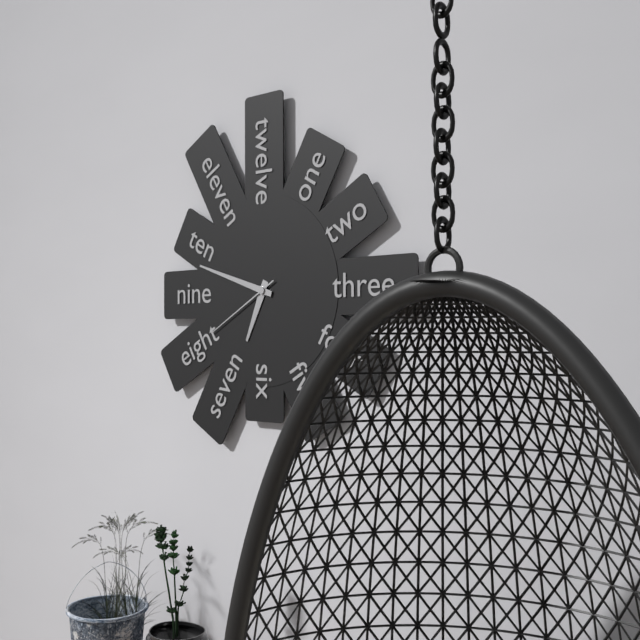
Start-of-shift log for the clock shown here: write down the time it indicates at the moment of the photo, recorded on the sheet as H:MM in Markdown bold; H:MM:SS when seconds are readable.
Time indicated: **6:48:40**
